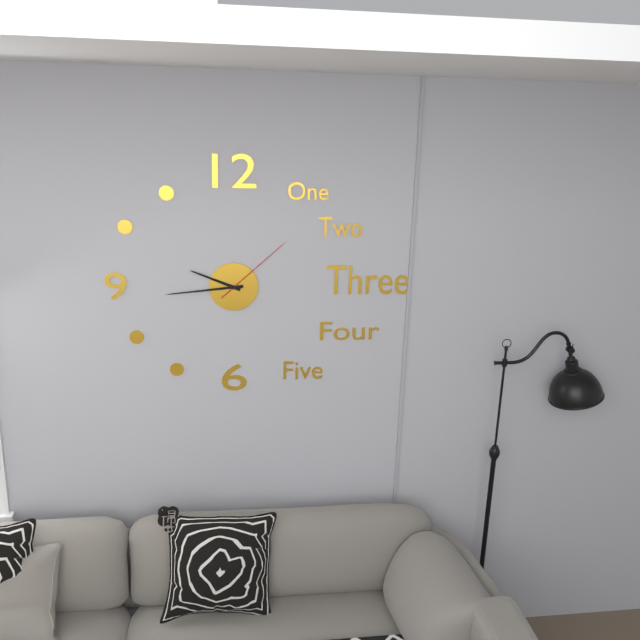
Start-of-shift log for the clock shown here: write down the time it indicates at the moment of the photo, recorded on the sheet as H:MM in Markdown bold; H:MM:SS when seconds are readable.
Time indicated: **9:44:08**
